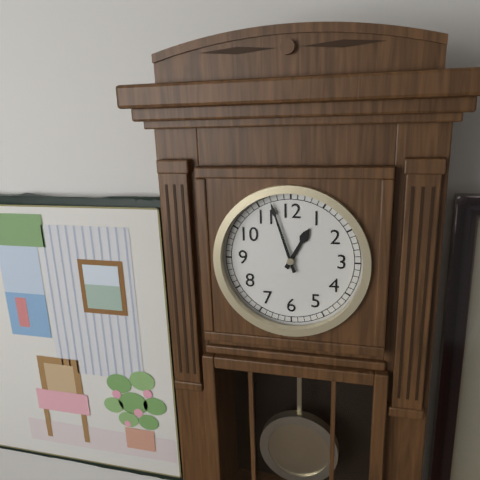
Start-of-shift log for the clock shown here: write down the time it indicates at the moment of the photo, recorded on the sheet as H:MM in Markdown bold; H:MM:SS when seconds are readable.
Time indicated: **12:57**
